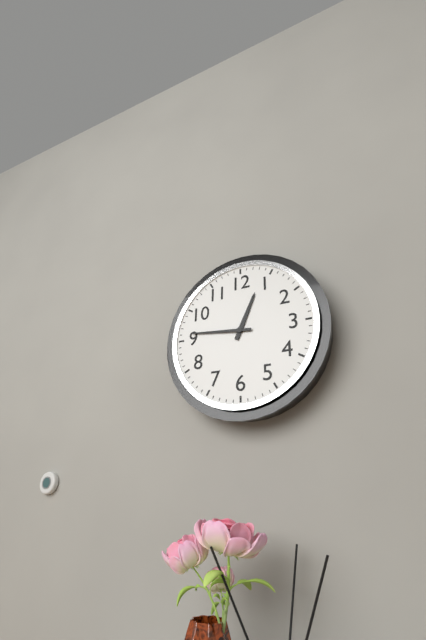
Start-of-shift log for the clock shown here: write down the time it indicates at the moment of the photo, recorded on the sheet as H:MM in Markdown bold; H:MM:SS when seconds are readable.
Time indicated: **12:46**
